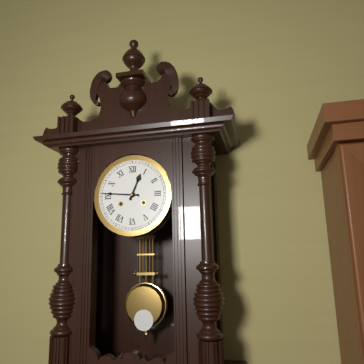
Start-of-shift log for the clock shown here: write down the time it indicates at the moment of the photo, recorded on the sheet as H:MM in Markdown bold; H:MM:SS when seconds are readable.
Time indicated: **12:46**
